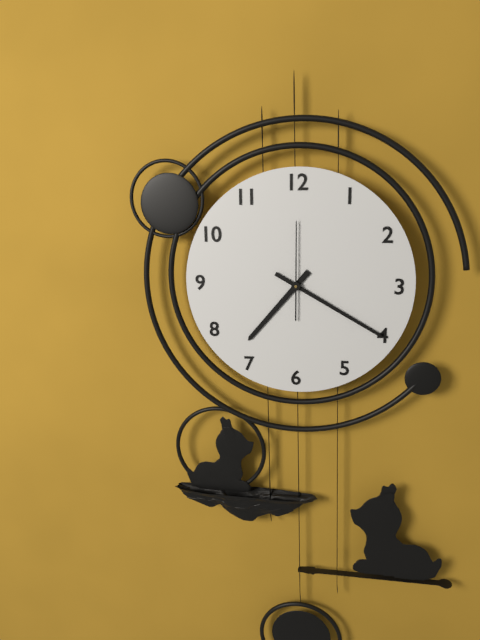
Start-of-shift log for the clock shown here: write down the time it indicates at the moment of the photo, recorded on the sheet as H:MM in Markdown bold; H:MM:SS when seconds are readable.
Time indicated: **7:20:00**
